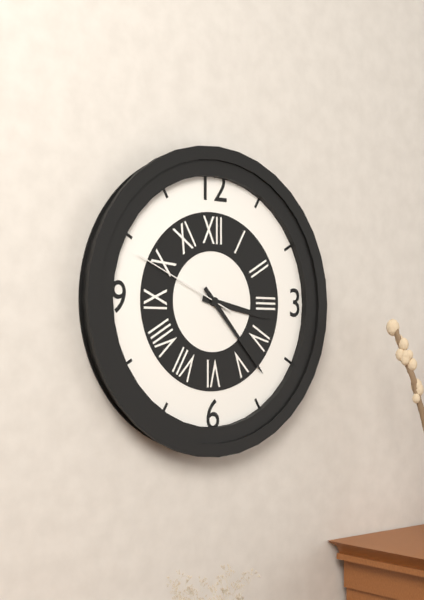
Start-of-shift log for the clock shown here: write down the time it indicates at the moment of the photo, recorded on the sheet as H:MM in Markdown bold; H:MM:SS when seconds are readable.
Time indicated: **3:23:49**
